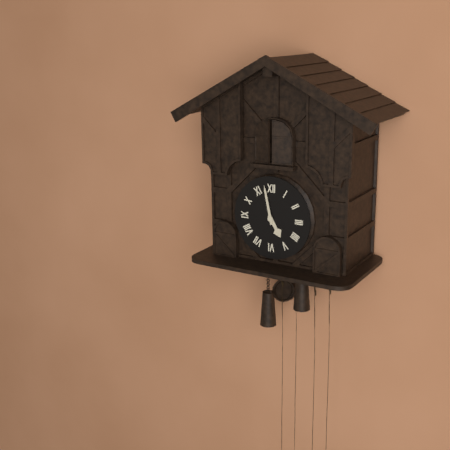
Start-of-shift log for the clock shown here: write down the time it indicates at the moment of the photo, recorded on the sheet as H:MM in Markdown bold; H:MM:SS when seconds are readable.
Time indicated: **4:58**
